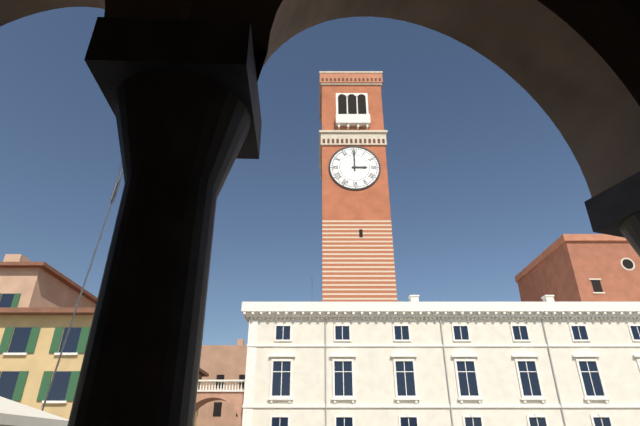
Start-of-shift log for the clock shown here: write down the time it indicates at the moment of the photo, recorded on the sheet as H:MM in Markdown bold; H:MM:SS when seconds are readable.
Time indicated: **3:00**
